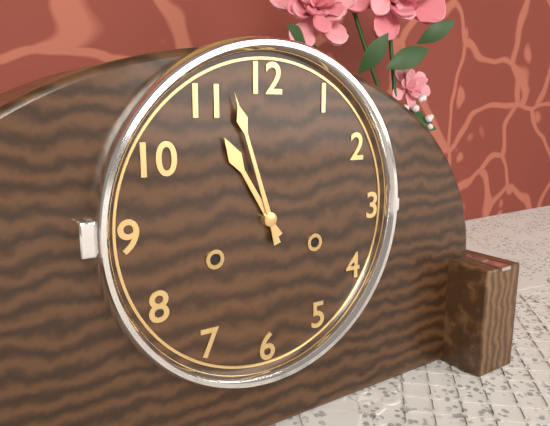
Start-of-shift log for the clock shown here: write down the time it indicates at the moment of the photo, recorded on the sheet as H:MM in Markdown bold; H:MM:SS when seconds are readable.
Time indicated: **10:57**
